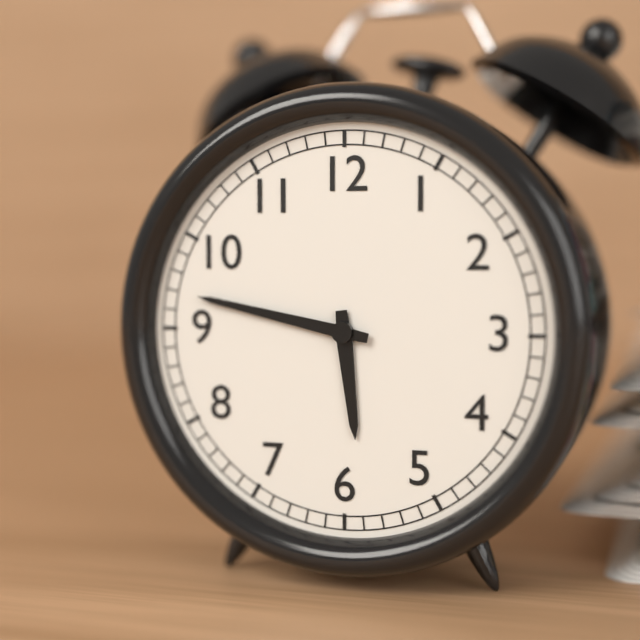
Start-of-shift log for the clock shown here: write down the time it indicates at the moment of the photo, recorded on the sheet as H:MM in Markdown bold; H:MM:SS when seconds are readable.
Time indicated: **5:47**
